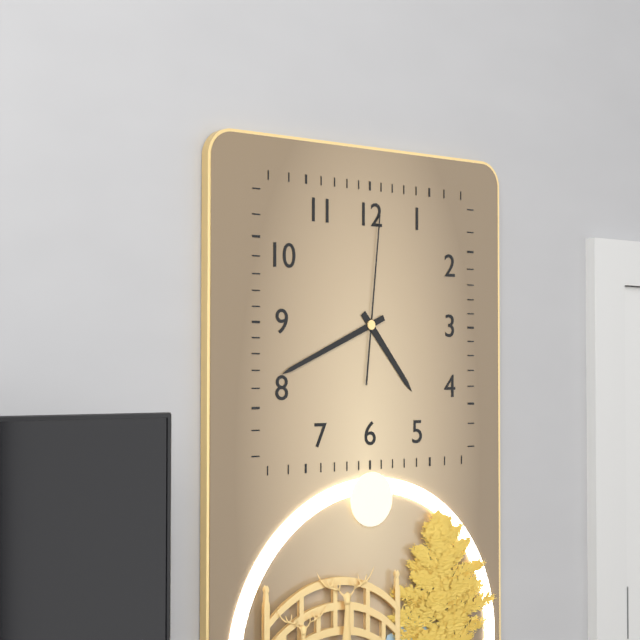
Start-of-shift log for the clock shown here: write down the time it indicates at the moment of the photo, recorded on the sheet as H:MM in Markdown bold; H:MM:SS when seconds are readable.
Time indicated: **4:41:01**
